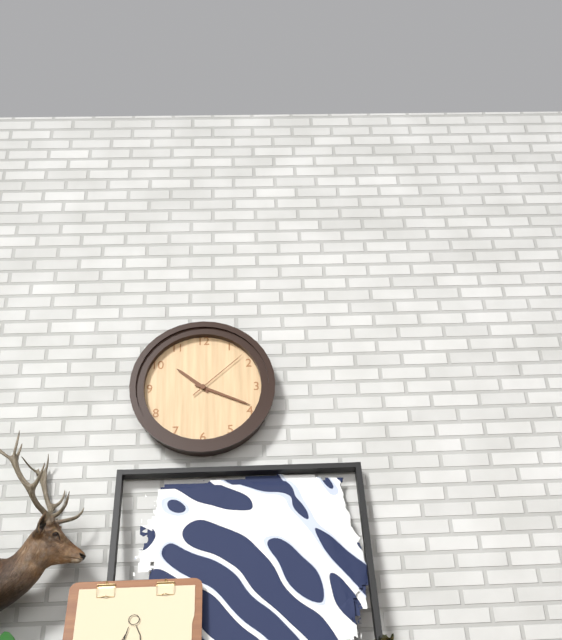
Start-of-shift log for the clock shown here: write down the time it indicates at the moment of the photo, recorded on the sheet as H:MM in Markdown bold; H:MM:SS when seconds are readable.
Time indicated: **10:19:08**
